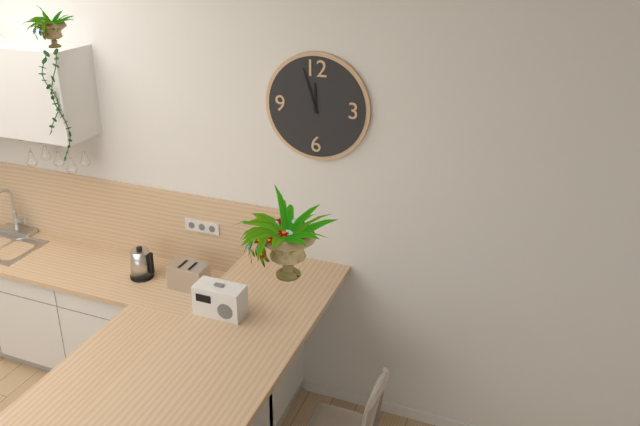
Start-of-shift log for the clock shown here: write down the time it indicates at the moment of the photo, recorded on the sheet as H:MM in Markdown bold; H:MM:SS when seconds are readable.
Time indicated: **11:57**
